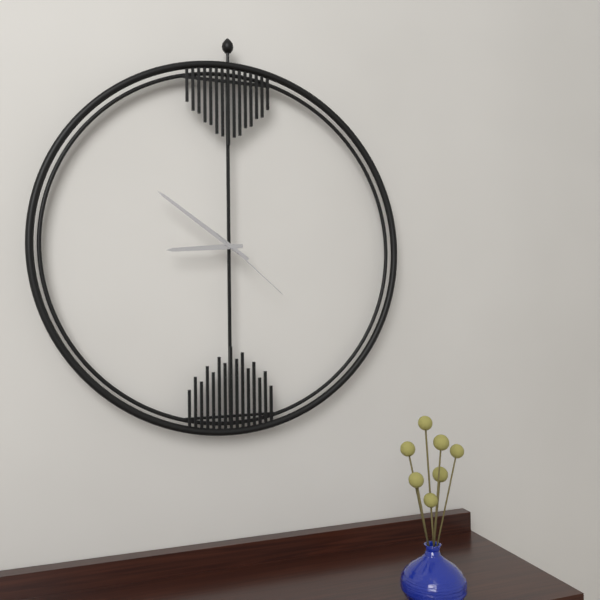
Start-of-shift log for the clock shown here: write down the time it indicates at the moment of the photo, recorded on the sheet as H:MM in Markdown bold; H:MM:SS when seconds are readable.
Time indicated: **8:51:22**
